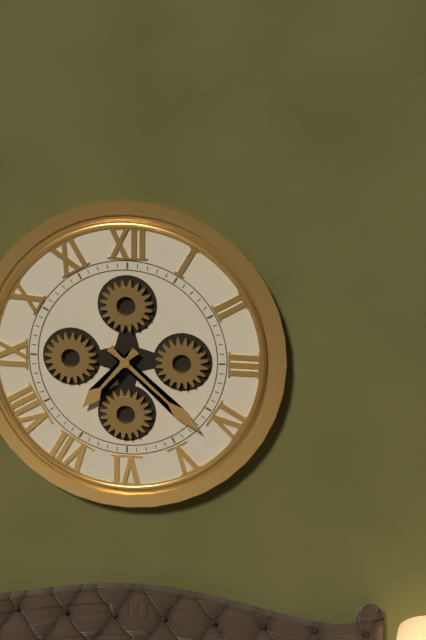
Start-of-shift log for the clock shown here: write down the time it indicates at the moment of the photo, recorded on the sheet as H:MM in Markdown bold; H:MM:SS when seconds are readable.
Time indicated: **7:22**
